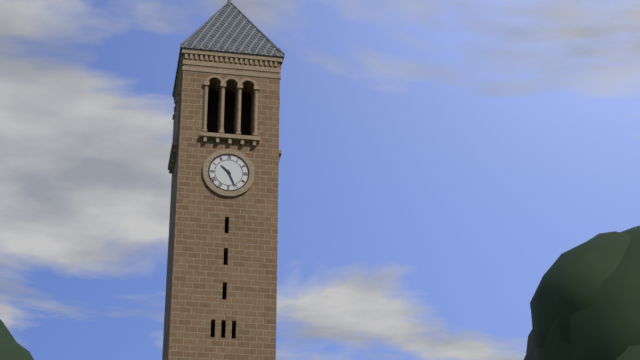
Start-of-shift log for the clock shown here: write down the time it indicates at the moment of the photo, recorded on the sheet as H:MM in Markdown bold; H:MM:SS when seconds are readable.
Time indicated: **10:26**
